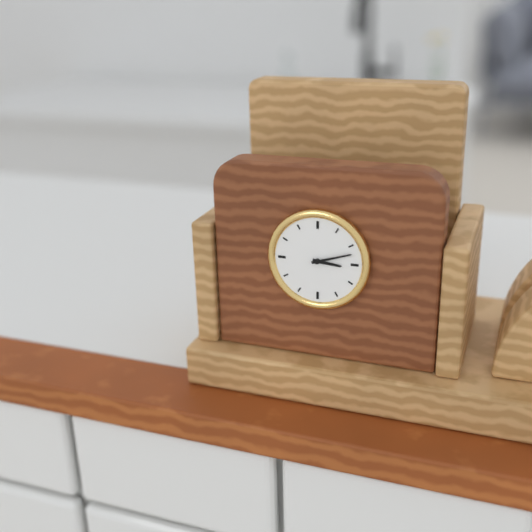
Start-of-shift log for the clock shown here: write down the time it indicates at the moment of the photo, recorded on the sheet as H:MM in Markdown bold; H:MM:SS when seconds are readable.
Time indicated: **3:12**
